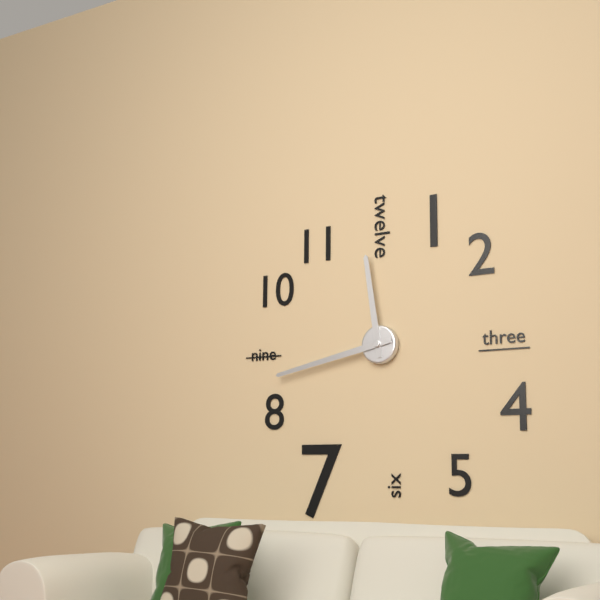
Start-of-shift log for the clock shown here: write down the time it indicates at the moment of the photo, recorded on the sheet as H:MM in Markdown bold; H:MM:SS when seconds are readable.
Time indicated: **11:43**
